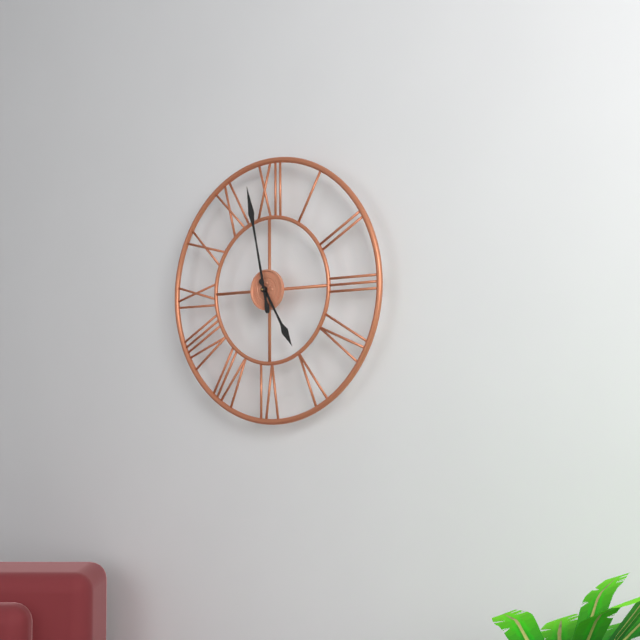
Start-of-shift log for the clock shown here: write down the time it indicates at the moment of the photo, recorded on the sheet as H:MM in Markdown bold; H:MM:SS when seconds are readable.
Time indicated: **4:58**
